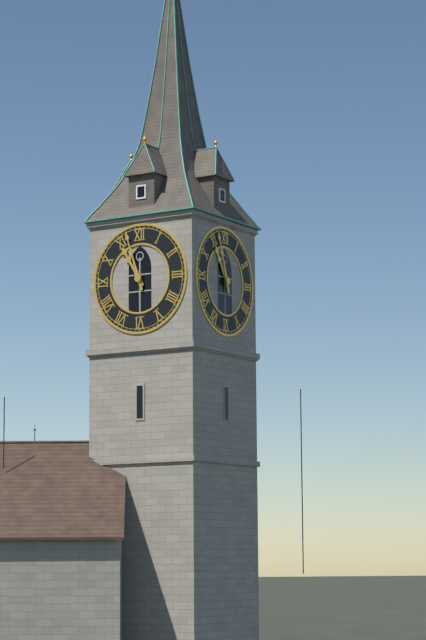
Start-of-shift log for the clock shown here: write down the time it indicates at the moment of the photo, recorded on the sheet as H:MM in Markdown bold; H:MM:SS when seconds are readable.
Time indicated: **10:57**
